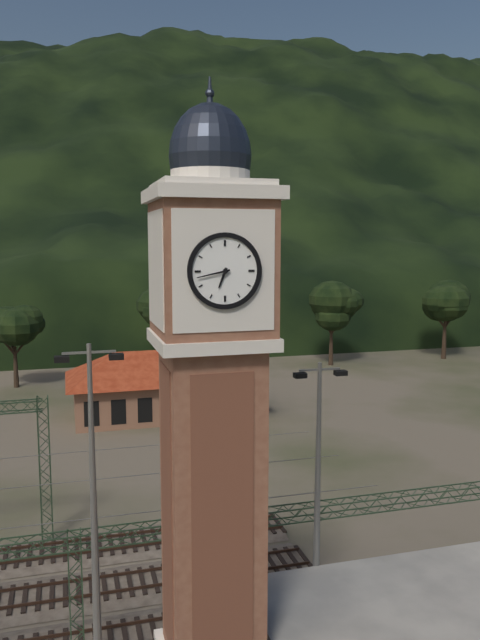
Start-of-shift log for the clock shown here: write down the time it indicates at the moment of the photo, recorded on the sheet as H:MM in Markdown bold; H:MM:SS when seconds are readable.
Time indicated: **6:43**
